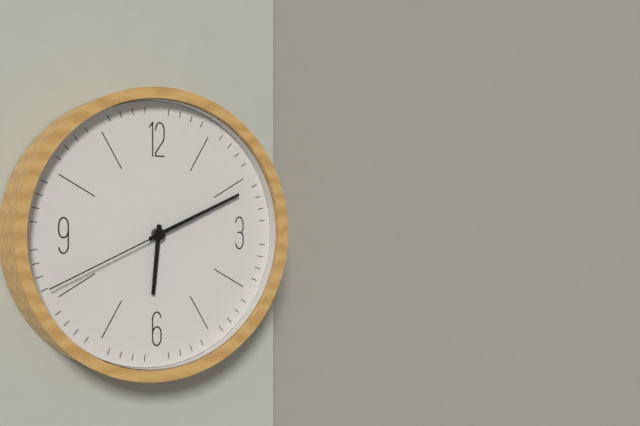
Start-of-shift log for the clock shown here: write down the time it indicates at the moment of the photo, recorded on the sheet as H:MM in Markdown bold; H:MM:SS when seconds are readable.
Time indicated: **6:11:41**
